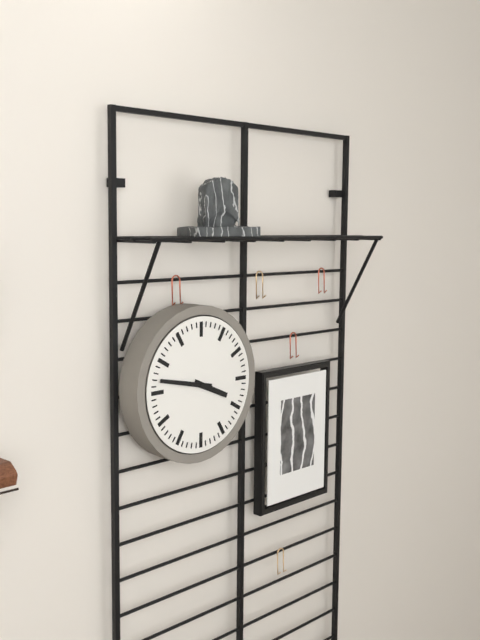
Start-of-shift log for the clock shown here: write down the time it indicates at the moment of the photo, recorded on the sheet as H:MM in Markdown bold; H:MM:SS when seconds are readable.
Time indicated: **3:47**
